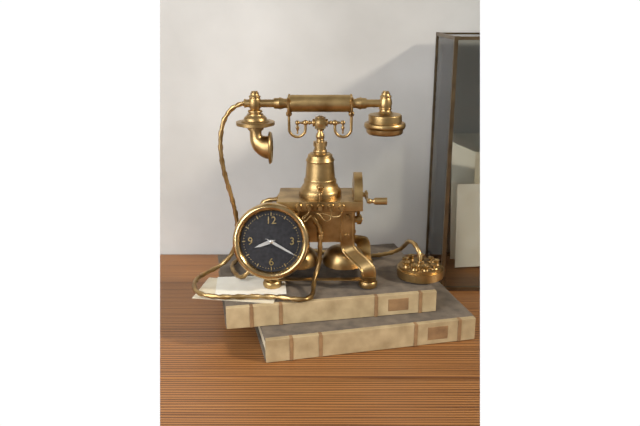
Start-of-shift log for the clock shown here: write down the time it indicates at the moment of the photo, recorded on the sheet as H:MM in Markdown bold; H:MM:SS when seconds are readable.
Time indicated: **8:20**
